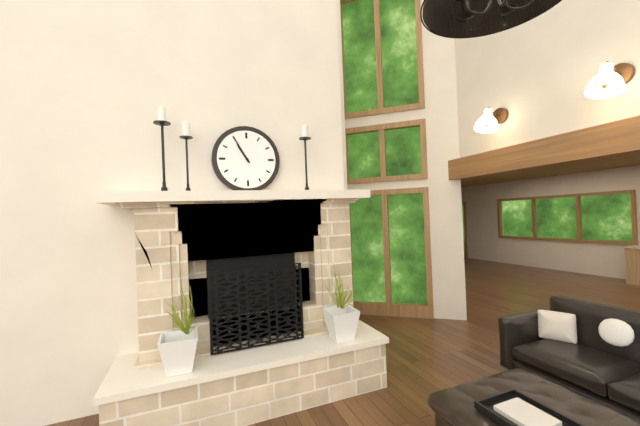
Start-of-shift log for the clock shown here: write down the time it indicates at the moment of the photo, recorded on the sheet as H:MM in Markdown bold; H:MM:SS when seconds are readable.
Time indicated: **10:55**
